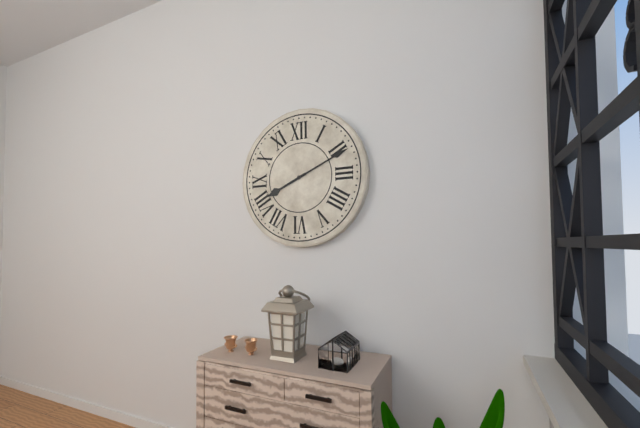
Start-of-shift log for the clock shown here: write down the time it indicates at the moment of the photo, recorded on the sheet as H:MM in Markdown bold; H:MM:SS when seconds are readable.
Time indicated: **8:11**
